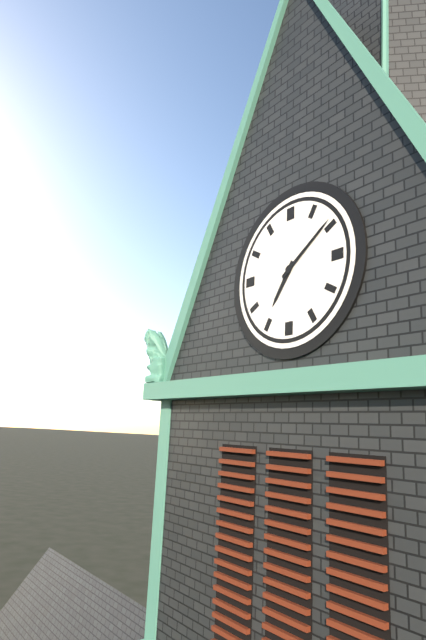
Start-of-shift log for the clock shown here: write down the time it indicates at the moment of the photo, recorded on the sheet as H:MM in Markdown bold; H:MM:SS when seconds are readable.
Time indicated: **7:09**
